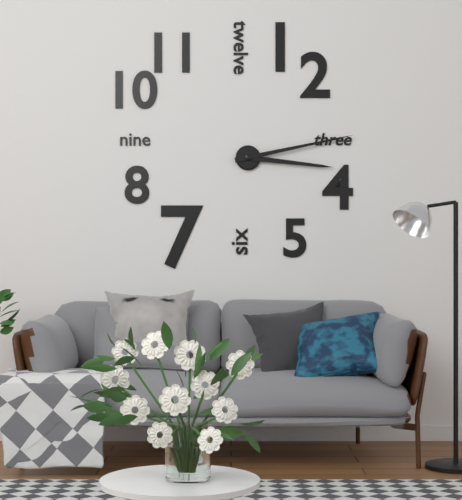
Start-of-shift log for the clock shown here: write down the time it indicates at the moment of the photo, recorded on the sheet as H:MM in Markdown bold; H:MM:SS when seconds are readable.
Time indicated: **3:13**
